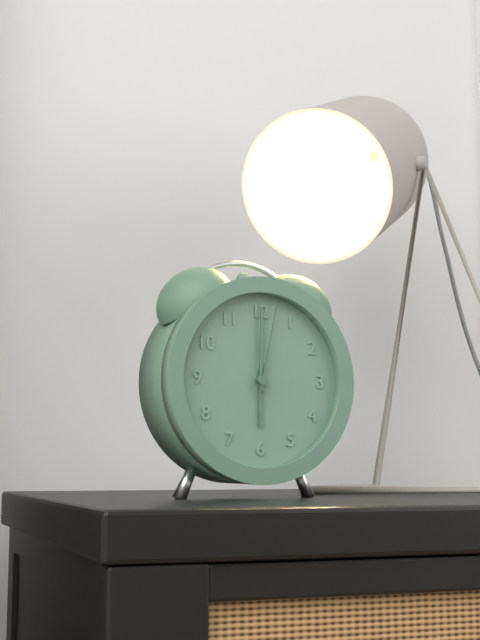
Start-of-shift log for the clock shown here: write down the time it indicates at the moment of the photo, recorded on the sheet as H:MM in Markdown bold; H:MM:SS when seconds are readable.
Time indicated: **6:00:02**
